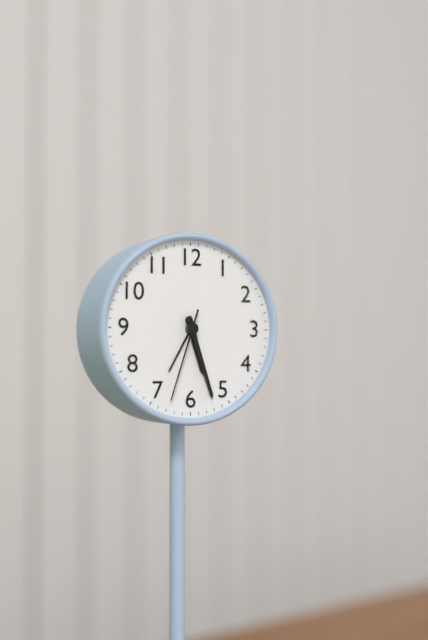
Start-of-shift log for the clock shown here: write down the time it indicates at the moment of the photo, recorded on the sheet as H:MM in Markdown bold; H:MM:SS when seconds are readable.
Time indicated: **5:27:33**
